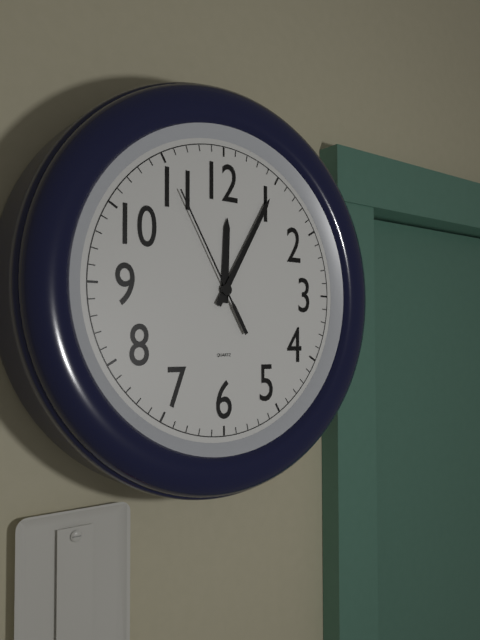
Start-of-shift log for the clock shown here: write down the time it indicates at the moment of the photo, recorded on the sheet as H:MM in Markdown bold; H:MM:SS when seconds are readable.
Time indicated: **12:05:55**
